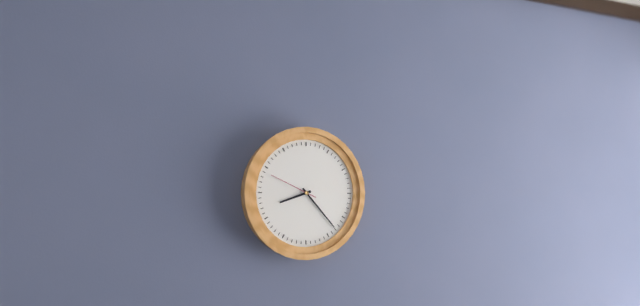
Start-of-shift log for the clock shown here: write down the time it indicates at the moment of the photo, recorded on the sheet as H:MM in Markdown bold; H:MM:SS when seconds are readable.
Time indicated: **8:23**
